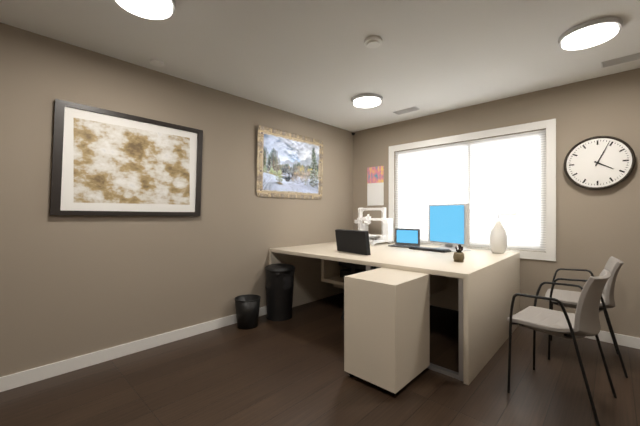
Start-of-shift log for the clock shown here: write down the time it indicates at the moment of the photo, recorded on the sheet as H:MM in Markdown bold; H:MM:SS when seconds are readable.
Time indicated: **4:04**
